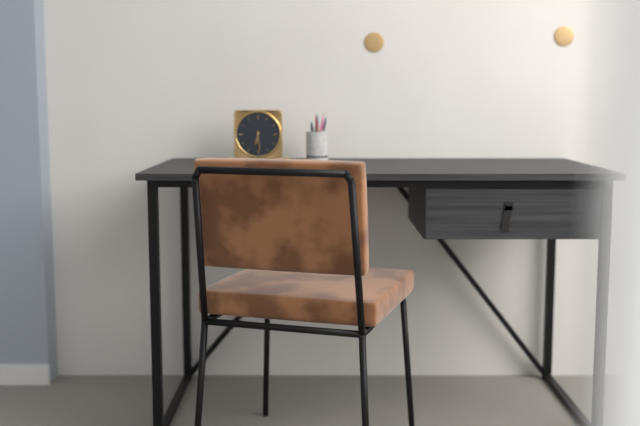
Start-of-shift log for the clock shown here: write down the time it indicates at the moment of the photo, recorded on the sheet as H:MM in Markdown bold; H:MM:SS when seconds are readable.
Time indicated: **6:29**
